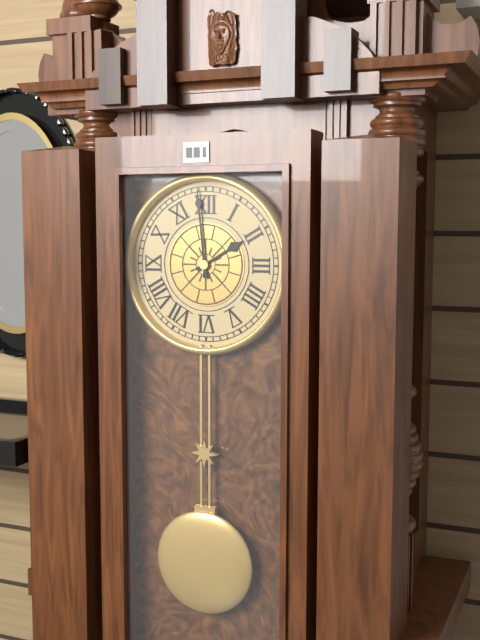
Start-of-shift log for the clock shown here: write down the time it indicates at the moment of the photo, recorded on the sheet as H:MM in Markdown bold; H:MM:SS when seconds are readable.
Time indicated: **1:59**
